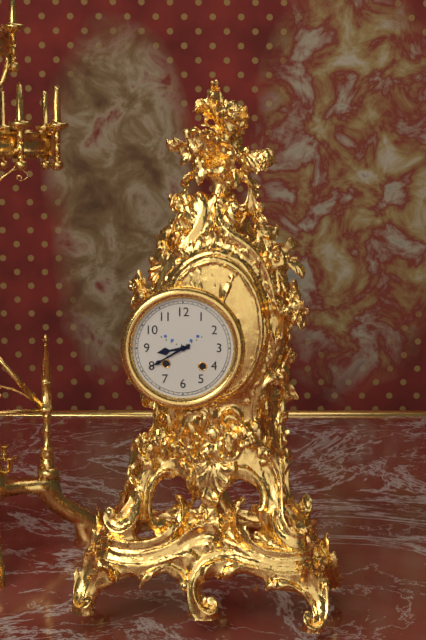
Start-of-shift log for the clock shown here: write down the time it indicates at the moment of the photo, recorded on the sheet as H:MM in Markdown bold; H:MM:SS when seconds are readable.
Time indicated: **8:40**
